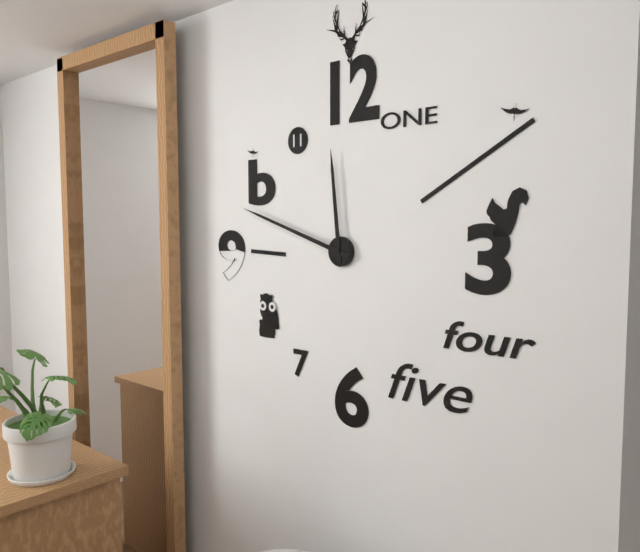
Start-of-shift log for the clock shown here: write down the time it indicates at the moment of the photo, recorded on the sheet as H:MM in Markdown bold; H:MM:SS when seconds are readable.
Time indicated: **11:48**
